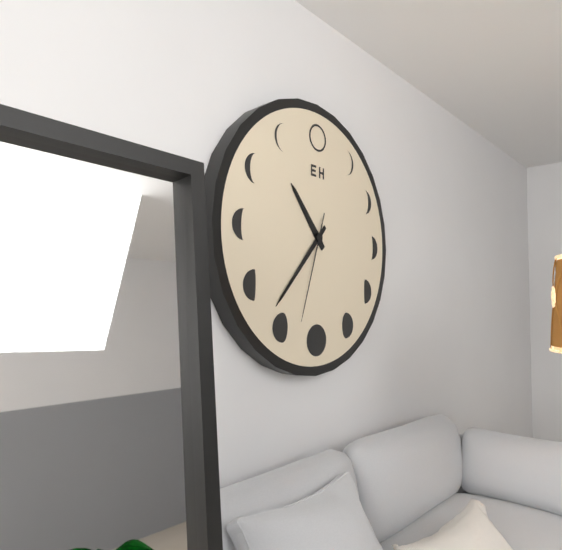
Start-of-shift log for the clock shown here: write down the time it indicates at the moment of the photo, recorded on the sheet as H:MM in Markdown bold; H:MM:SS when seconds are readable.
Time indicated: **10:37:33**
